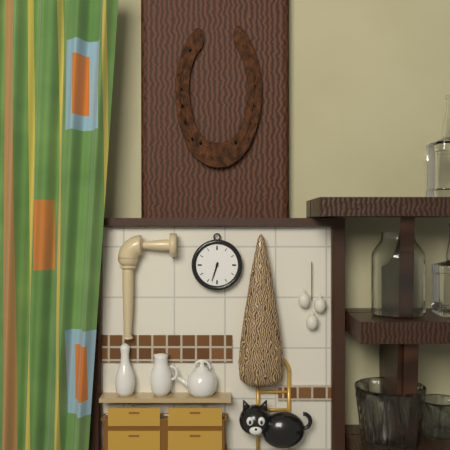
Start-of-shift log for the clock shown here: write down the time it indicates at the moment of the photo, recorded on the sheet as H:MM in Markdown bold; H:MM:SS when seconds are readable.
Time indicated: **6:33**
